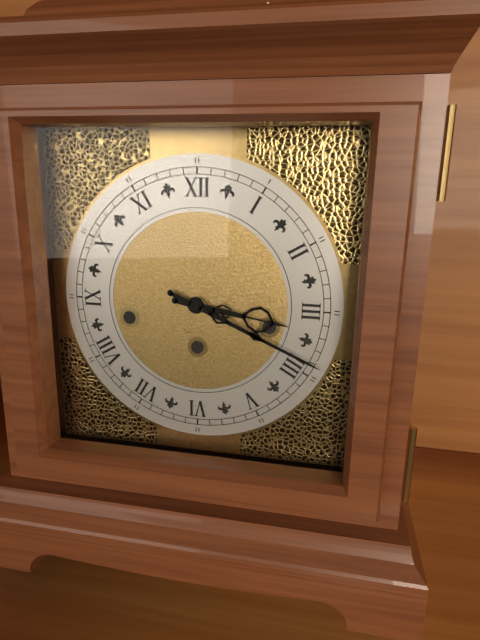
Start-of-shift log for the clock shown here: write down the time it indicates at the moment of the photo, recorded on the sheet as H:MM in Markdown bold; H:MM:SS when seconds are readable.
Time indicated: **3:19**
